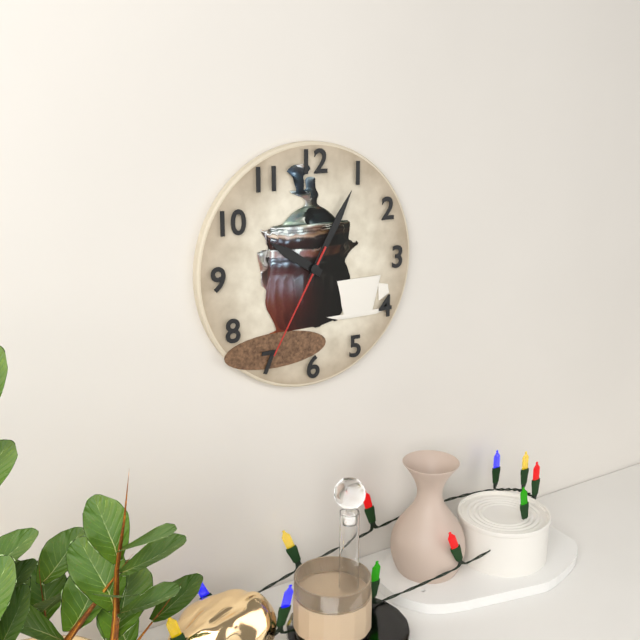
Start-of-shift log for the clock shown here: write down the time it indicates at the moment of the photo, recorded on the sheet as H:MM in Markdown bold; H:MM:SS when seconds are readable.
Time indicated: **10:05:35**
